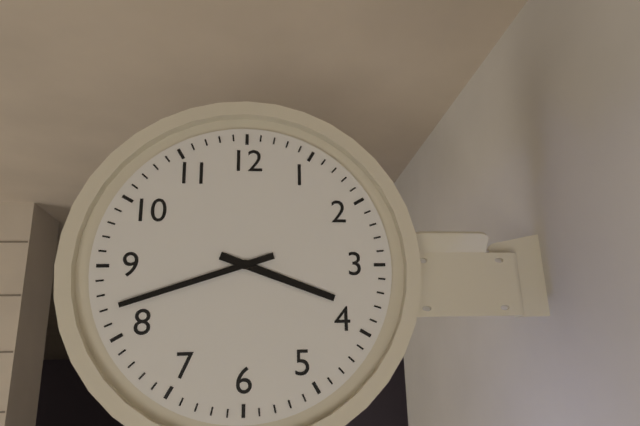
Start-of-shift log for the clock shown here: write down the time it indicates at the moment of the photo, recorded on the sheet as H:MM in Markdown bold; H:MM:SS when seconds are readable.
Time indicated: **3:42**
